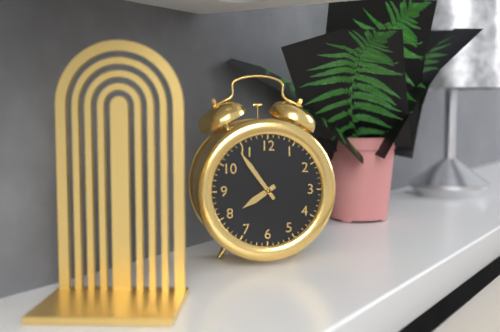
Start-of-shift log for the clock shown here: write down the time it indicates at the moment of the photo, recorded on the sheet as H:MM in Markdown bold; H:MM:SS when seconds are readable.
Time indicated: **7:54**
